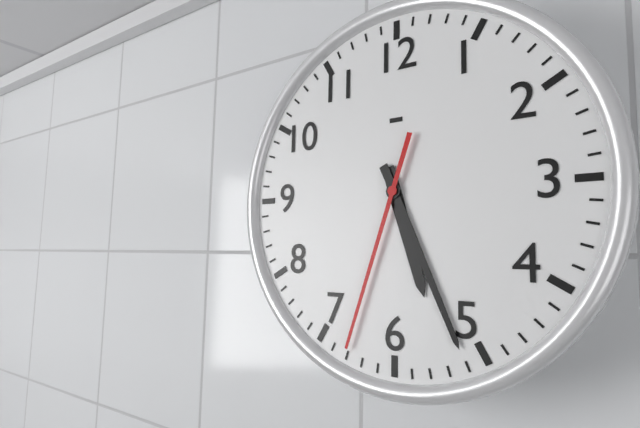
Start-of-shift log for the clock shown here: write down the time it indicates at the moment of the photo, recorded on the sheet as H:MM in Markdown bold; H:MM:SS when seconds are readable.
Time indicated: **5:26:33**
